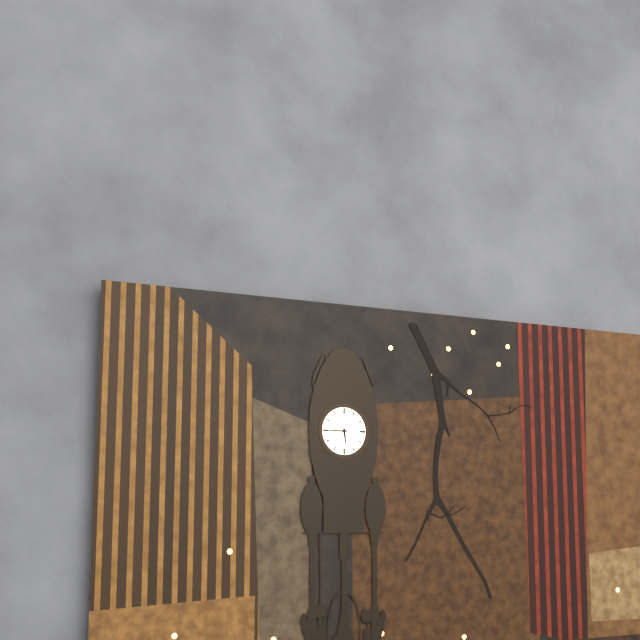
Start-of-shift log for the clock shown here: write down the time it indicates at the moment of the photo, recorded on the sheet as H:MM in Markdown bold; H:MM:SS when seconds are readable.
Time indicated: **5:45**
